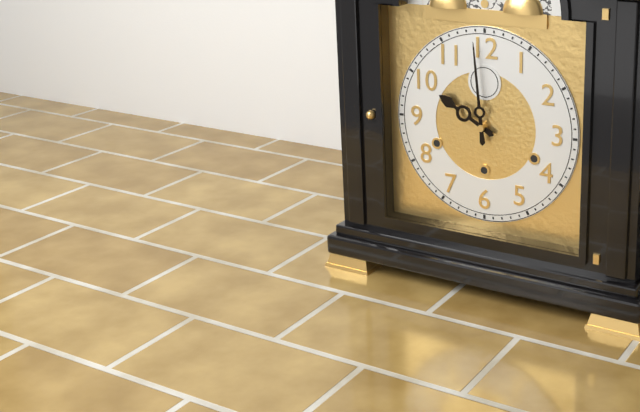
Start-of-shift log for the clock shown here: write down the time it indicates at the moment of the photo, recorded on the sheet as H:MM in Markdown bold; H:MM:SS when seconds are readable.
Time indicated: **9:59**
